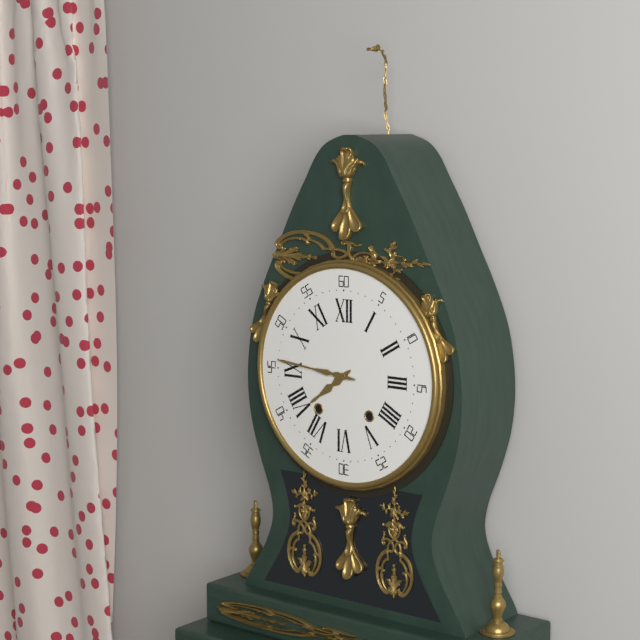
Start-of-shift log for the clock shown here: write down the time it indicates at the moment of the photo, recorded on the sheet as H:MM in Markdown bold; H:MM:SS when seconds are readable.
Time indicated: **7:46**
